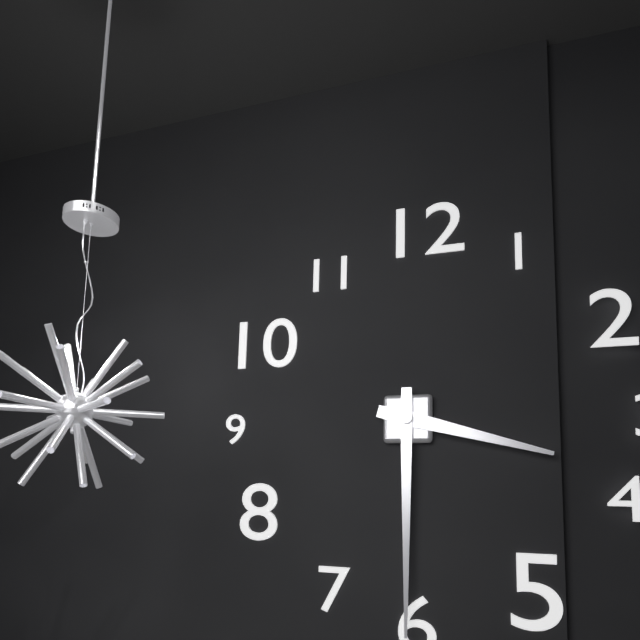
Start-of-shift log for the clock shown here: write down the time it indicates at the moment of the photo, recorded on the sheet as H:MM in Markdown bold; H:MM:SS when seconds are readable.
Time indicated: **3:30**
